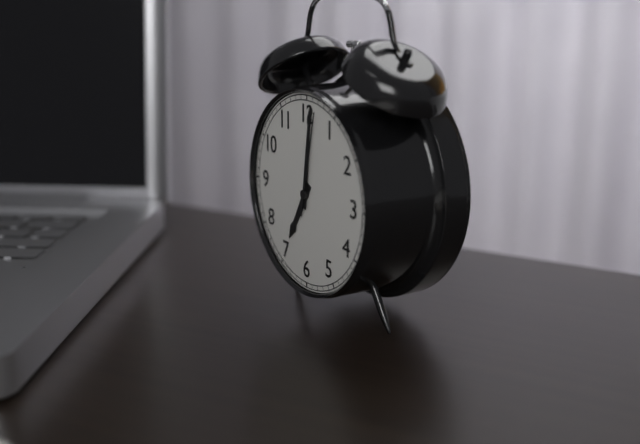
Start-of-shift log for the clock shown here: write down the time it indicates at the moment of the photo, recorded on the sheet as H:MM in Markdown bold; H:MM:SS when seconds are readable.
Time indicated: **7:01:02**
